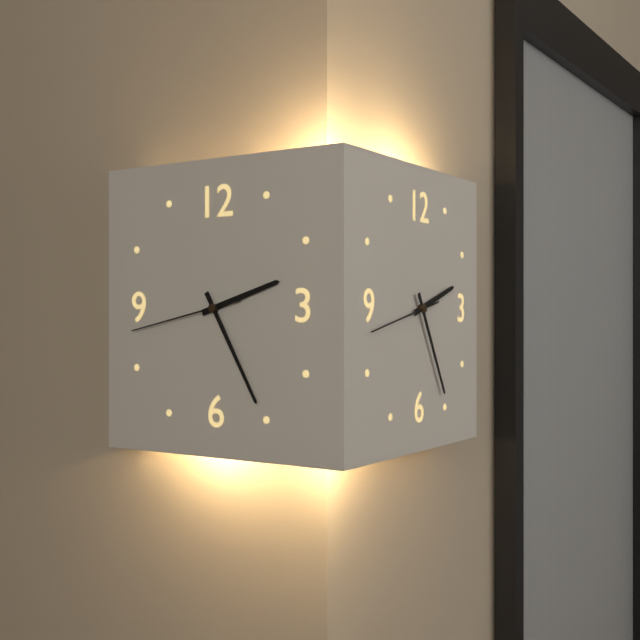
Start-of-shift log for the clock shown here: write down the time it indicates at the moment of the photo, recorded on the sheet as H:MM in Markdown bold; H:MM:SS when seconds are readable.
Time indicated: **2:25:43**
